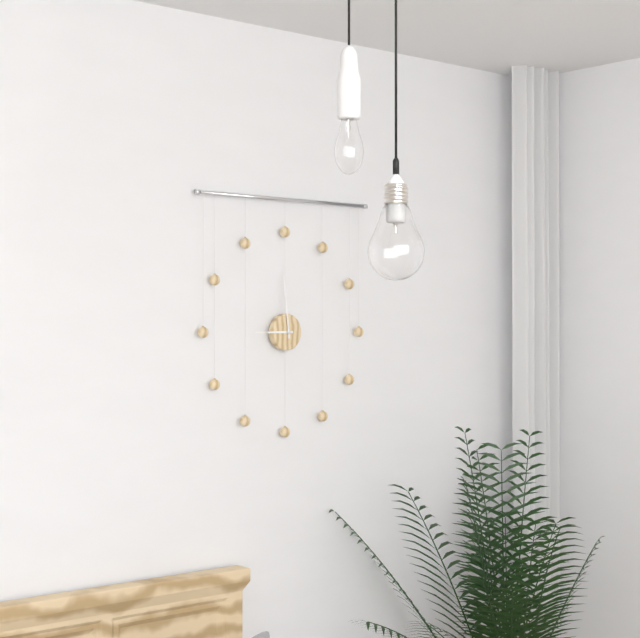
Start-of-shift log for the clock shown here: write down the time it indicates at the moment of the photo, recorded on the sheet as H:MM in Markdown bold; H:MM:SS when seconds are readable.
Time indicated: **8:59**
